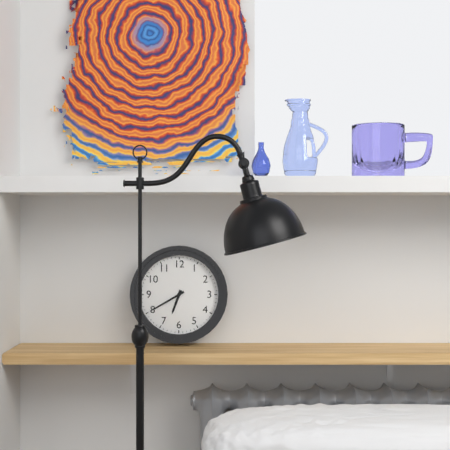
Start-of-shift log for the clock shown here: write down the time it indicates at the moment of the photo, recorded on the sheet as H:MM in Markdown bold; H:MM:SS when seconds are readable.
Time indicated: **6:40**
